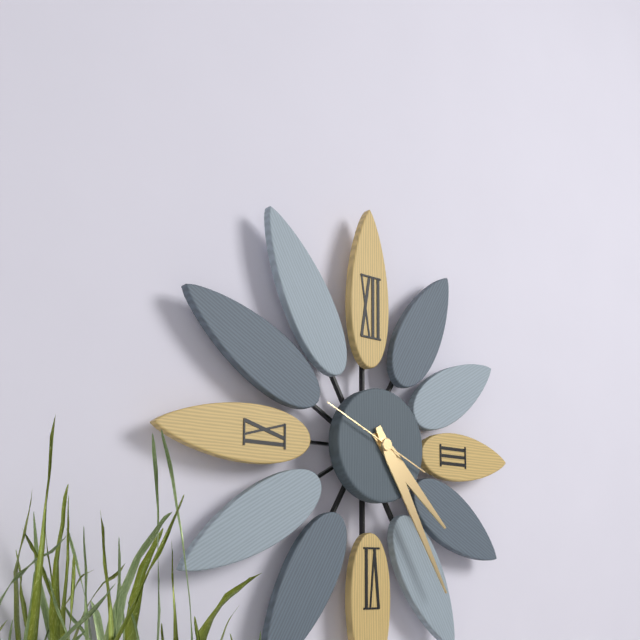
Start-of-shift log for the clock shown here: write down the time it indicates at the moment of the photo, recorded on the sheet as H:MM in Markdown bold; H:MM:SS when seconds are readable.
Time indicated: **4:25:49**
